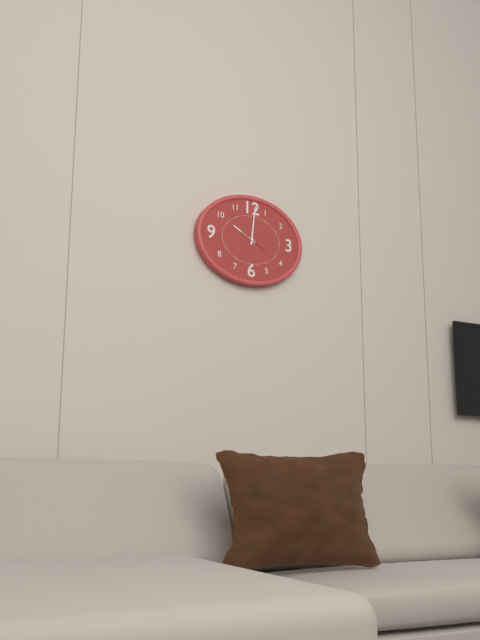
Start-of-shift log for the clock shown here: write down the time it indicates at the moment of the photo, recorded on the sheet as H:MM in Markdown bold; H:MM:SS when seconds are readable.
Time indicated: **10:01**
